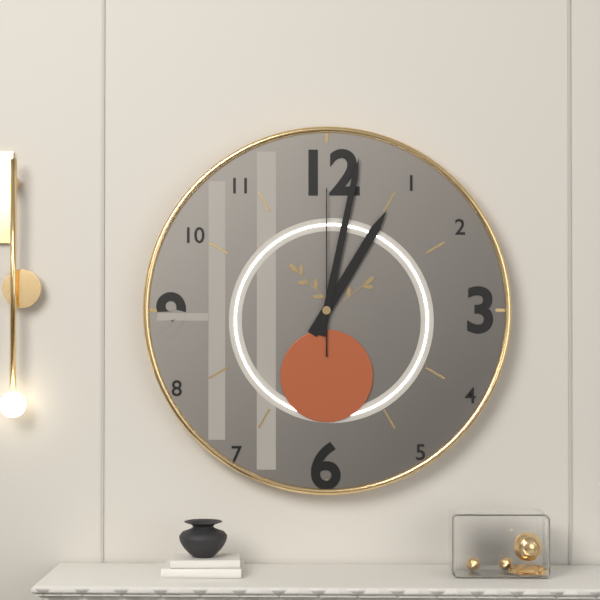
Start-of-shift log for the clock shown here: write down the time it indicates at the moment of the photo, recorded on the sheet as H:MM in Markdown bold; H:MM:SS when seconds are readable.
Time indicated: **1:02:00**
